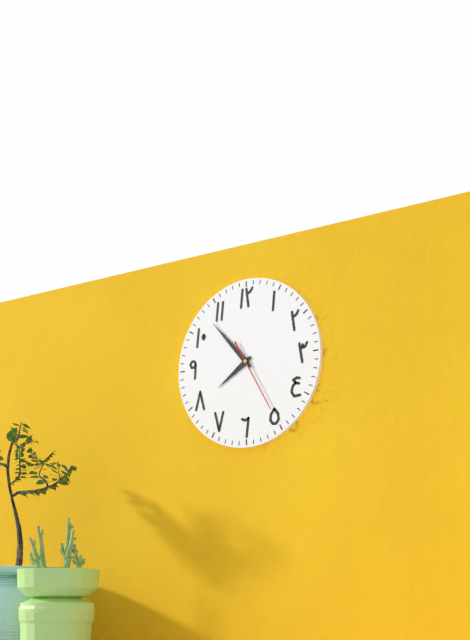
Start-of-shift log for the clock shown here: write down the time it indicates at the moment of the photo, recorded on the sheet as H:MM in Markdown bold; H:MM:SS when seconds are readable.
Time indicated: **7:53:25**
